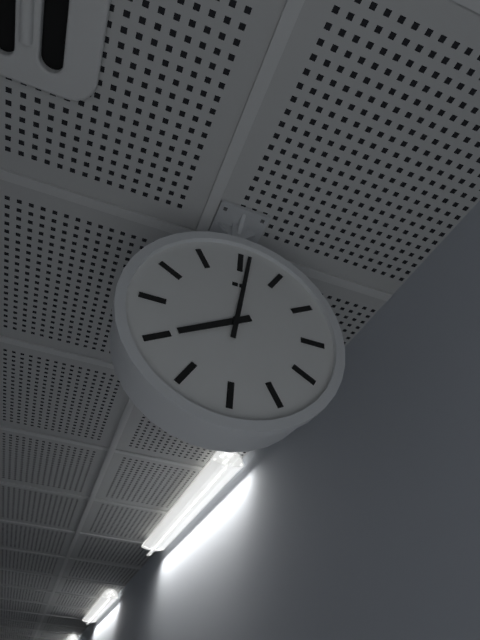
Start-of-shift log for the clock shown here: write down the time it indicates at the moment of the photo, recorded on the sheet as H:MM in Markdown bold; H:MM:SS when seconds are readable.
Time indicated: **8:01**
